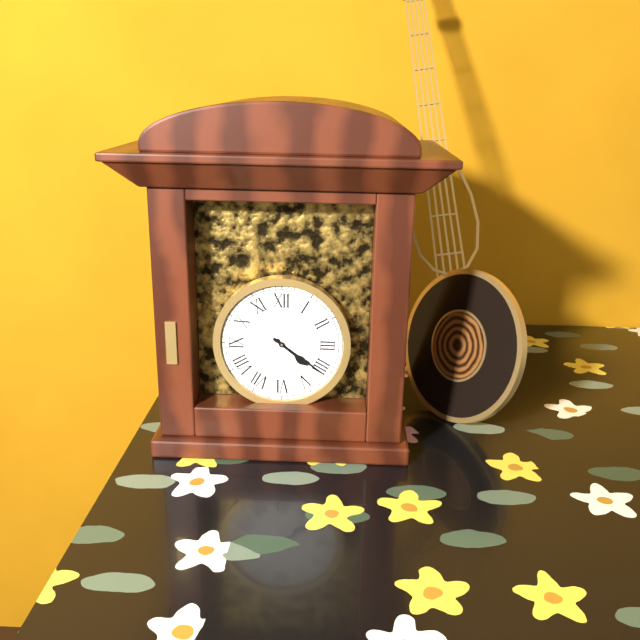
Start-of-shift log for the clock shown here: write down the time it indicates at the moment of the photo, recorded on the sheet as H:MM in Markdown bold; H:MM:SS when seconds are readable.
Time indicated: **4:21**
